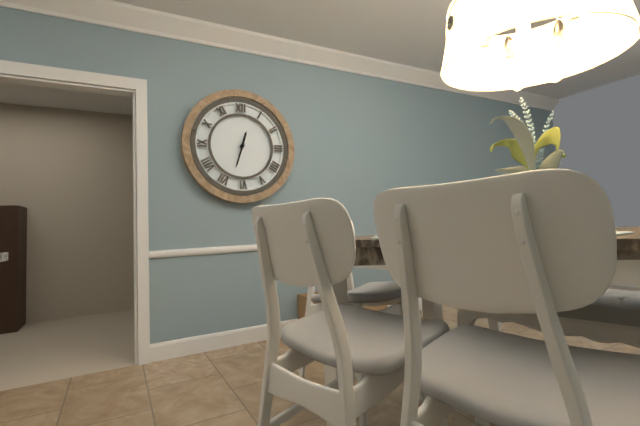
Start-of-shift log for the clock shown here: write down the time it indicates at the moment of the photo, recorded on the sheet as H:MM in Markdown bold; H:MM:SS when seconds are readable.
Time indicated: **12:33**
